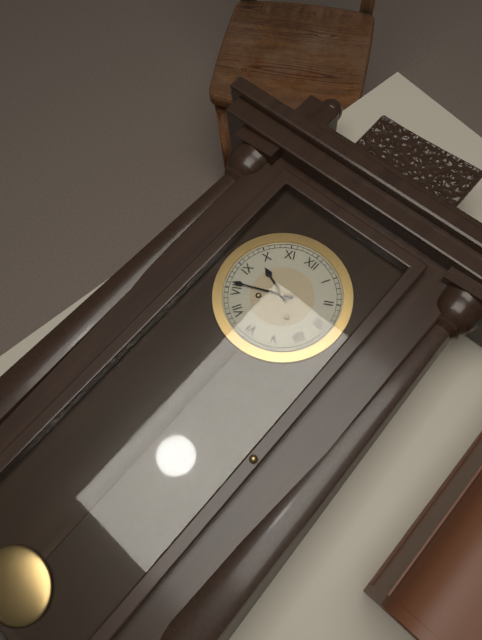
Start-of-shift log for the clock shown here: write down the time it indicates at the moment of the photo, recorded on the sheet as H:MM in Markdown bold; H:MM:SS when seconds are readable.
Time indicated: **9:41**
